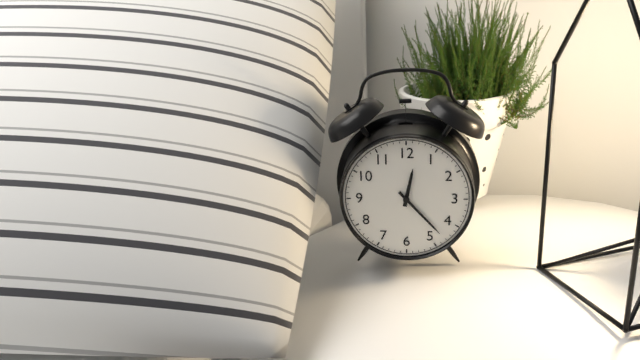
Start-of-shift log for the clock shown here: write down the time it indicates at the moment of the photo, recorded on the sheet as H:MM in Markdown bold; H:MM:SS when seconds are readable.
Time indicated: **12:23**
